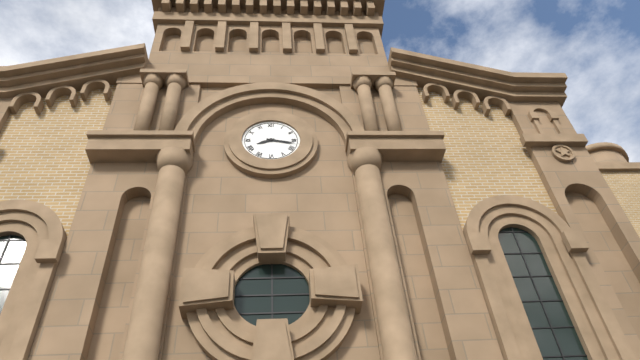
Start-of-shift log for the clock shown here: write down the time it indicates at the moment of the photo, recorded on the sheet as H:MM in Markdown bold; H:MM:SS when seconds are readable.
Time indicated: **8:17**
